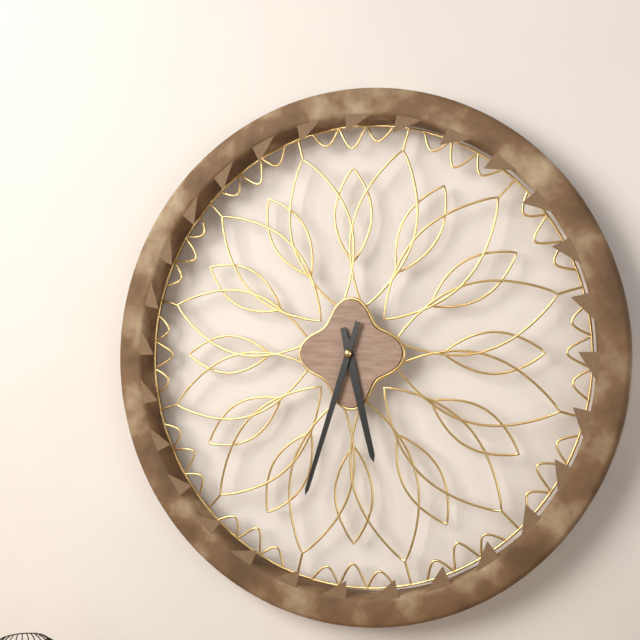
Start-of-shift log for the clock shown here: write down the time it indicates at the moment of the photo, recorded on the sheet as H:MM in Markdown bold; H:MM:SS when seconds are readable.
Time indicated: **5:33**
